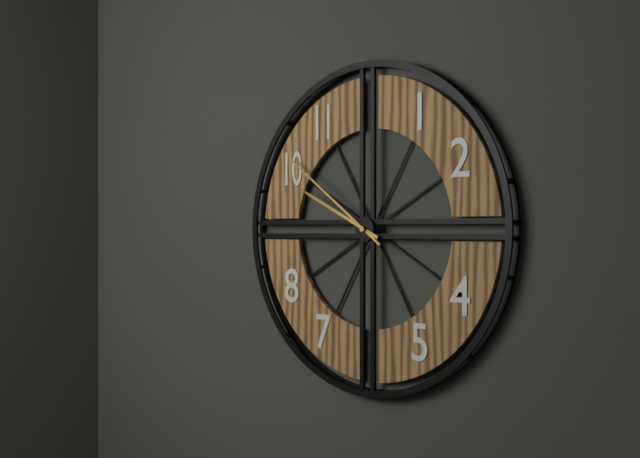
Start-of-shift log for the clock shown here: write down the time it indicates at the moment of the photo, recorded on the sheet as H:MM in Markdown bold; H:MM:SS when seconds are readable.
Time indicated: **9:51**
